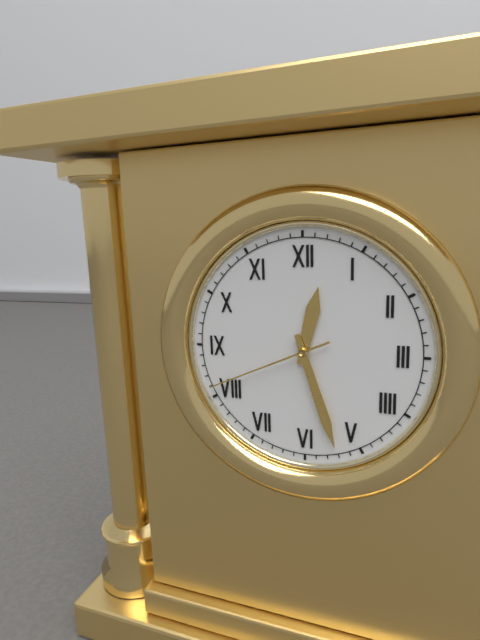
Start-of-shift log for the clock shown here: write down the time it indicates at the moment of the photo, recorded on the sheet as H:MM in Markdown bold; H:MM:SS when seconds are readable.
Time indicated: **12:27:41**
